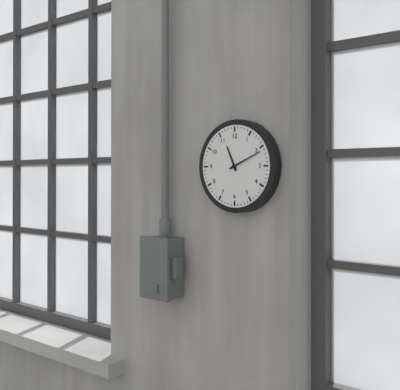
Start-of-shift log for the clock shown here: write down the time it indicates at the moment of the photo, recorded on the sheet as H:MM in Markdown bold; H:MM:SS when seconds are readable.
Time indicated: **11:11**
